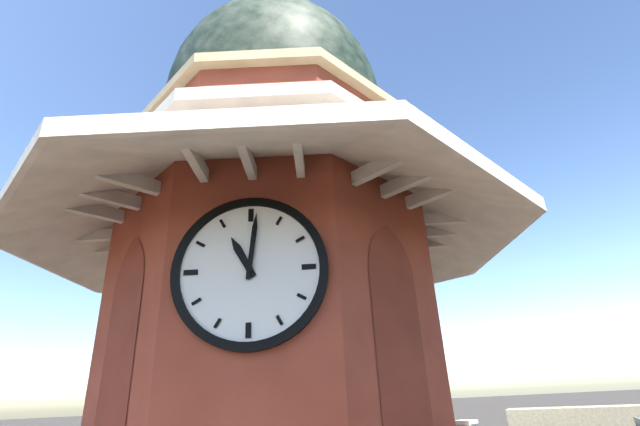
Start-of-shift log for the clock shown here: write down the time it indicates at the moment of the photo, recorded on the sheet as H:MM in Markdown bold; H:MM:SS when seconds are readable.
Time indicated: **11:01**
